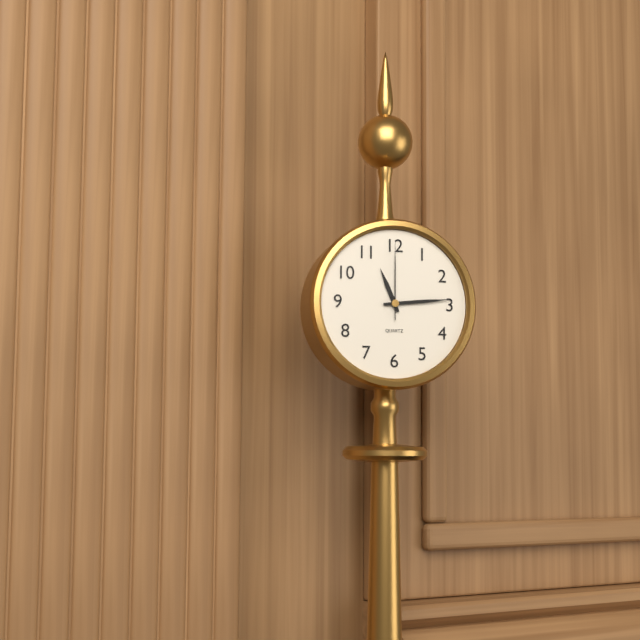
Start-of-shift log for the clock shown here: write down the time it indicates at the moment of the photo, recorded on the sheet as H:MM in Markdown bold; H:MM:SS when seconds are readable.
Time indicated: **11:14:00**
